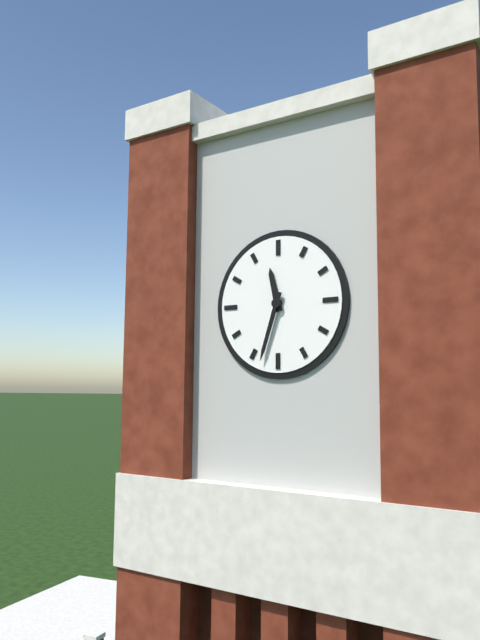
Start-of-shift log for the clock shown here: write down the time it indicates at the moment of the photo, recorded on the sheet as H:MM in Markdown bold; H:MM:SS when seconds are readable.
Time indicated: **11:33**
